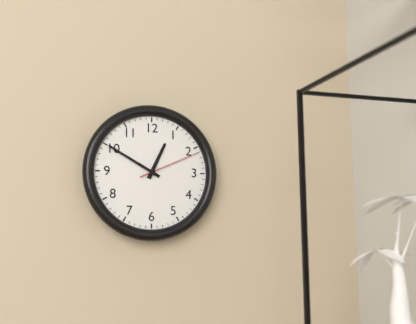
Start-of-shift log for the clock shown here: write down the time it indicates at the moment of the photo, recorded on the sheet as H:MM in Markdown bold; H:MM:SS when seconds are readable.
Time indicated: **12:50:11**
